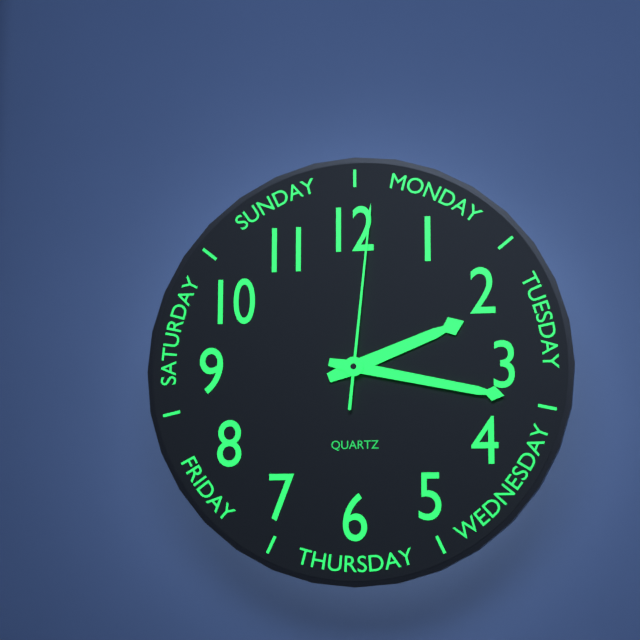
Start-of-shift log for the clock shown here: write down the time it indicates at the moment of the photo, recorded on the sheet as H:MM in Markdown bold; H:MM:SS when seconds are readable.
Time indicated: **2:17:01**
